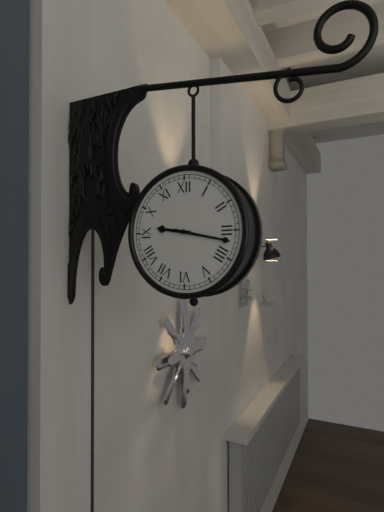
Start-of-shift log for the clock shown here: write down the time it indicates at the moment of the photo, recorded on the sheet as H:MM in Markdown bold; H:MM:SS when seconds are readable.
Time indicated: **9:17**
